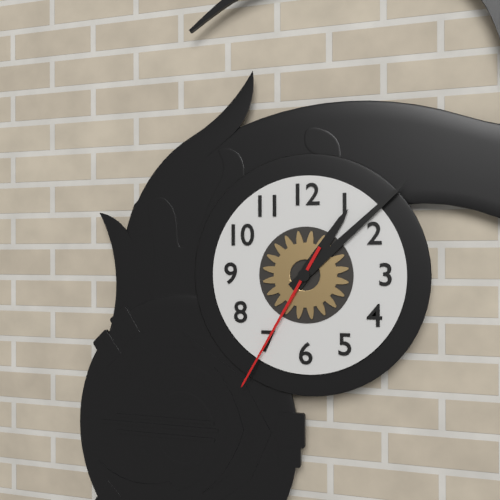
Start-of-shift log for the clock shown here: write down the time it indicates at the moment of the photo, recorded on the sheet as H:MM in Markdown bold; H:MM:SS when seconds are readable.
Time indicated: **1:08:35**
